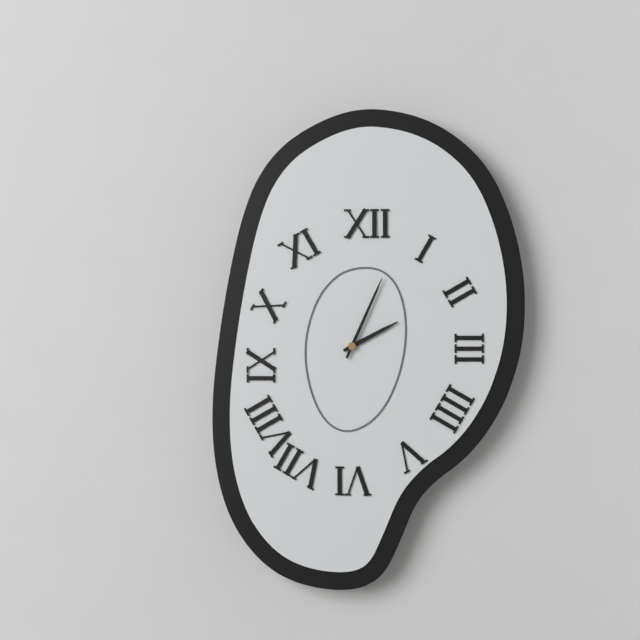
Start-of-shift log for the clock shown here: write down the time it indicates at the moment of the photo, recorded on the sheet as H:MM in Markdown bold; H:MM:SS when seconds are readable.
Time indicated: **2:04**
